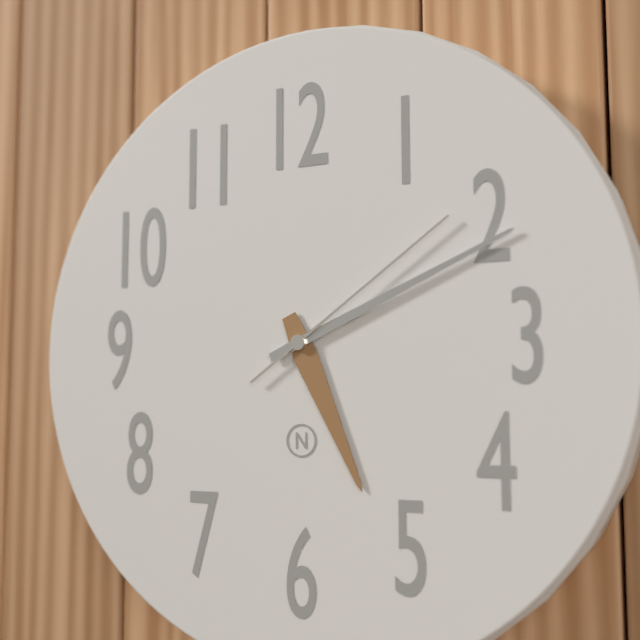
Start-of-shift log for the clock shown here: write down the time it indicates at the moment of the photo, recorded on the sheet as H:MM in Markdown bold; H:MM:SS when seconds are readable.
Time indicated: **5:11:09**
